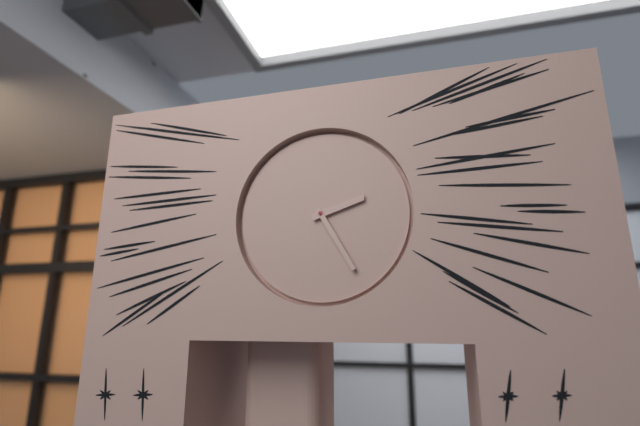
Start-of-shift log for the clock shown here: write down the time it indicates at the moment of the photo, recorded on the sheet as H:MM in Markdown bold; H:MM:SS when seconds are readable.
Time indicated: **2:25**
